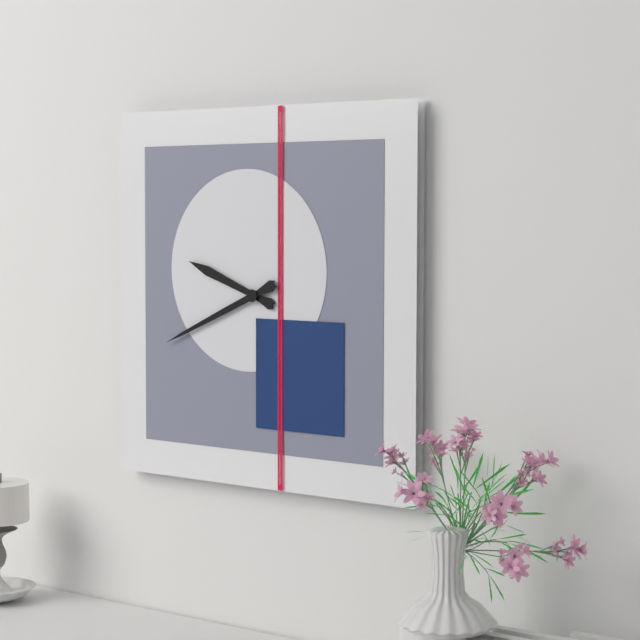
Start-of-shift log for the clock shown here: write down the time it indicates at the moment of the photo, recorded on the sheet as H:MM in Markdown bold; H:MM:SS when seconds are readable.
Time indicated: **9:41**
